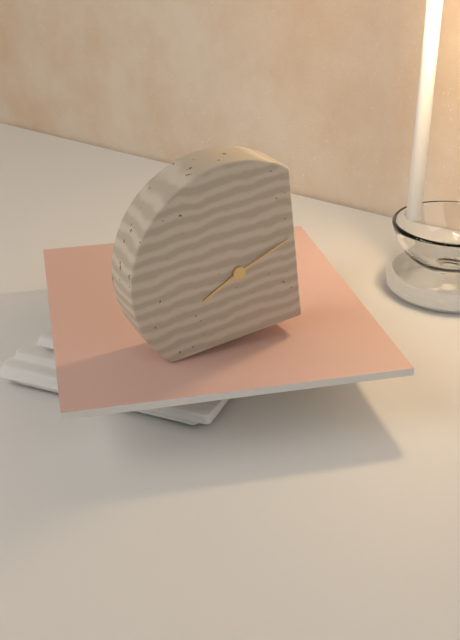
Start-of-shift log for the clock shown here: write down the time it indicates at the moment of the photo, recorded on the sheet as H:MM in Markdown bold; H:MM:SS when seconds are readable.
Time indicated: **8:12**
